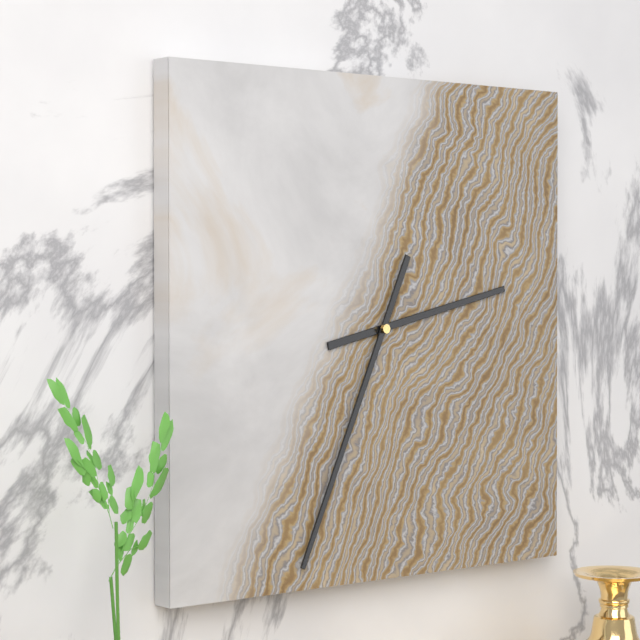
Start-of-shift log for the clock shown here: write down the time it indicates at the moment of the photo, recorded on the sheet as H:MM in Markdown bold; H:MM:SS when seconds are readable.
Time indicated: **2:34**
